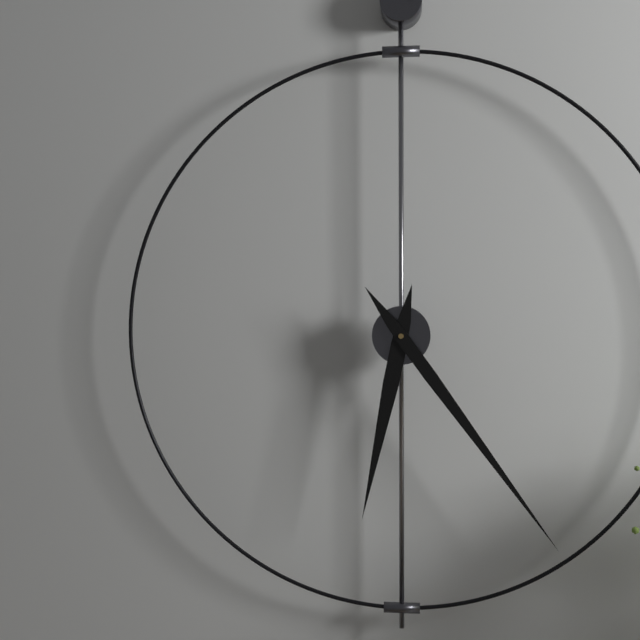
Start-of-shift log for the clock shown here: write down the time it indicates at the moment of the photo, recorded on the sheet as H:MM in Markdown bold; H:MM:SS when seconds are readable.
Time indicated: **6:24**
